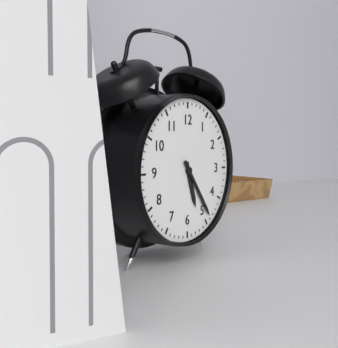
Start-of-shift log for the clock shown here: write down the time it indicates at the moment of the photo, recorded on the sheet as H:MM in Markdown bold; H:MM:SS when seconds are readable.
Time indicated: **5:24**
